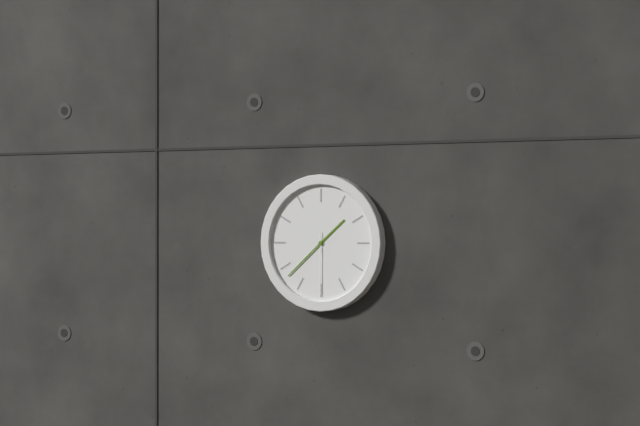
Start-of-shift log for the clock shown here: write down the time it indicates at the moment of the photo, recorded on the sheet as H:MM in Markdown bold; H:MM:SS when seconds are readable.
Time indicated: **1:38:30**
